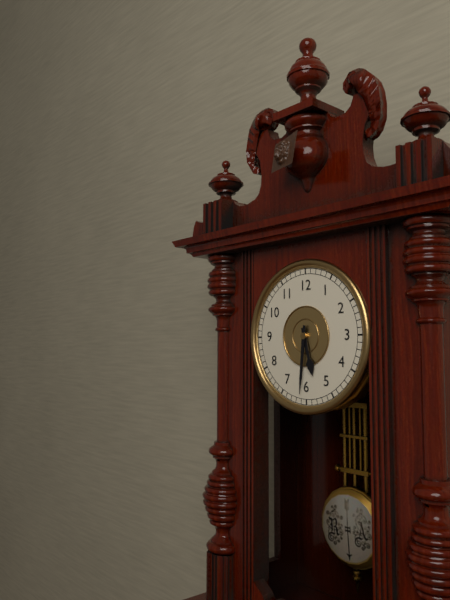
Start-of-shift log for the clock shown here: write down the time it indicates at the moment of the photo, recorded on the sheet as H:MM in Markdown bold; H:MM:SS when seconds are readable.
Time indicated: **5:31**
